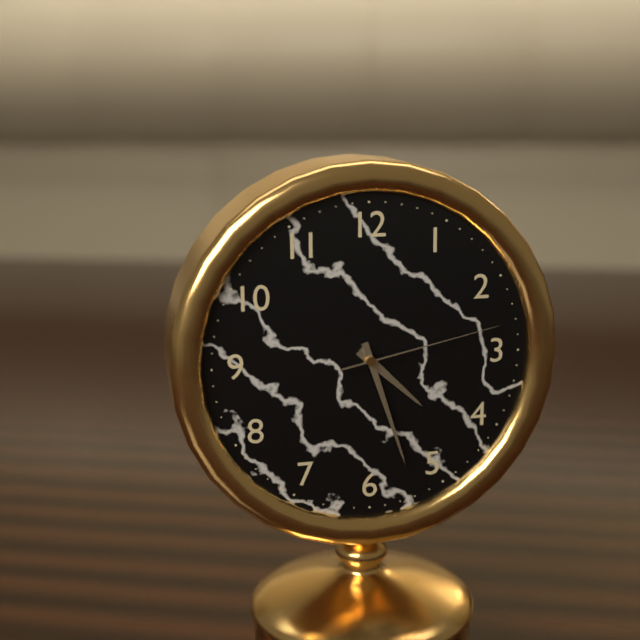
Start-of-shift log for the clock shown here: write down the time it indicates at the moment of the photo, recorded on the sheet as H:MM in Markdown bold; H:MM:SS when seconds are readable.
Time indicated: **4:27:13**
